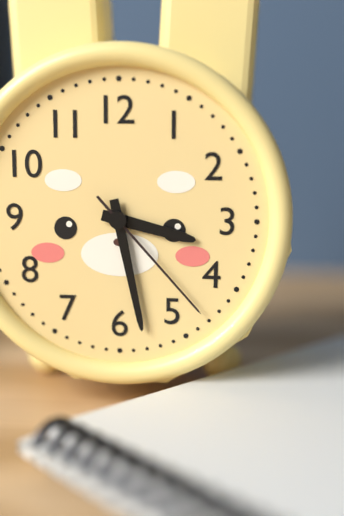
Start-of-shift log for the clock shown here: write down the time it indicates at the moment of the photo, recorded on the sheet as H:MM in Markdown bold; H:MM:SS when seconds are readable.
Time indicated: **3:28:23**
